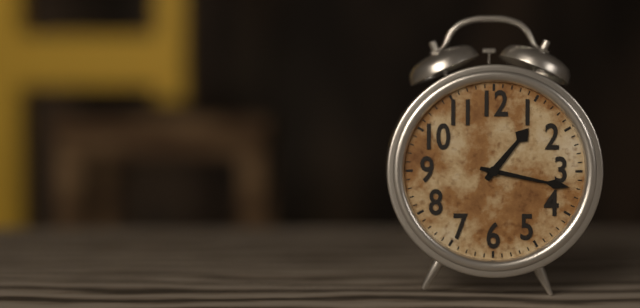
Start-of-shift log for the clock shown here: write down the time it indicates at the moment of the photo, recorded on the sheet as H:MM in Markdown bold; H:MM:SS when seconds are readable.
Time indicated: **1:17**
